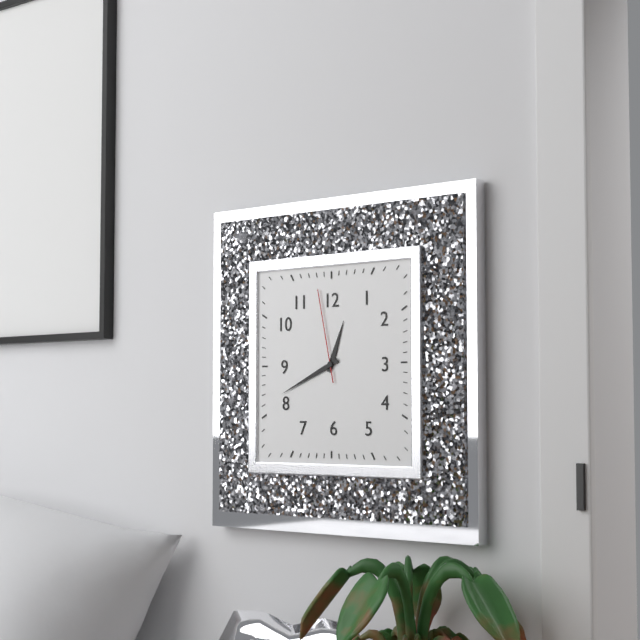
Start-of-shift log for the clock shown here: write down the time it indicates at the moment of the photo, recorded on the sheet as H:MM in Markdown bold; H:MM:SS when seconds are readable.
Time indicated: **12:41:58**
